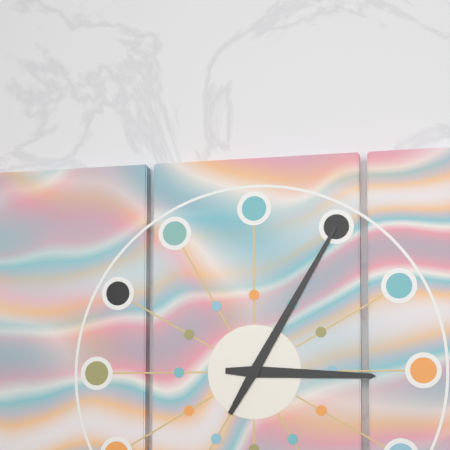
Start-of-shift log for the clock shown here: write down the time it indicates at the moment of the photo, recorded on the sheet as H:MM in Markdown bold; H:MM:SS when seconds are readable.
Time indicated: **3:05**
